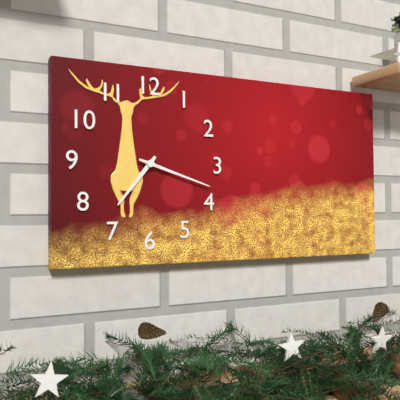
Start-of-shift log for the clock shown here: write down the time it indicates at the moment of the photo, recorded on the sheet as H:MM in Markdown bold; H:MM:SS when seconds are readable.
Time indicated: **7:18**
